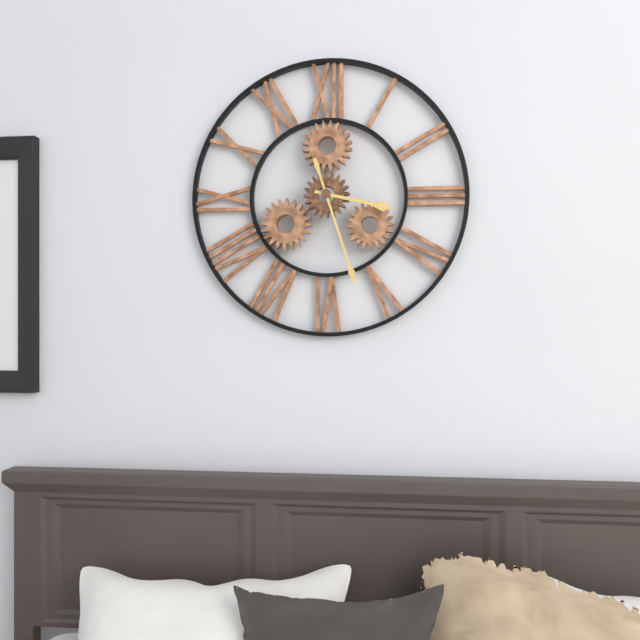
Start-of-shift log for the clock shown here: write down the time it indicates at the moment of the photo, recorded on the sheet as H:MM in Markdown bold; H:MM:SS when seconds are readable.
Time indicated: **3:27**
